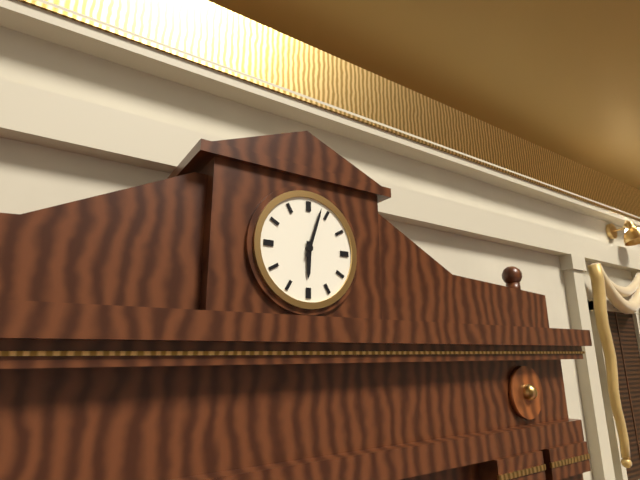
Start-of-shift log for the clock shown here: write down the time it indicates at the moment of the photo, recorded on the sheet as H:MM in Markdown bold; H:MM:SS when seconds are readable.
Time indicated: **6:03**
